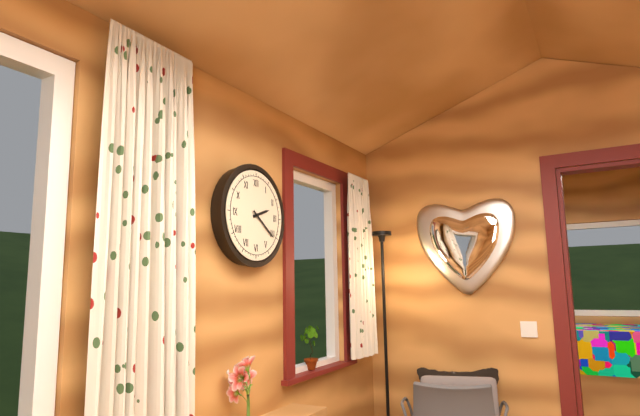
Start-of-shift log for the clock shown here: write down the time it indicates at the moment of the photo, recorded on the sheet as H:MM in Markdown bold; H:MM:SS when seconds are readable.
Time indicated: **2:21**
